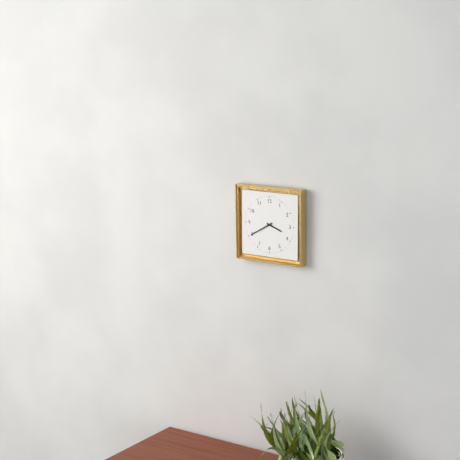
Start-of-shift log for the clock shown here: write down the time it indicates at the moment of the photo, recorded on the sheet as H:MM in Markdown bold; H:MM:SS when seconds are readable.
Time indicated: **3:40**
